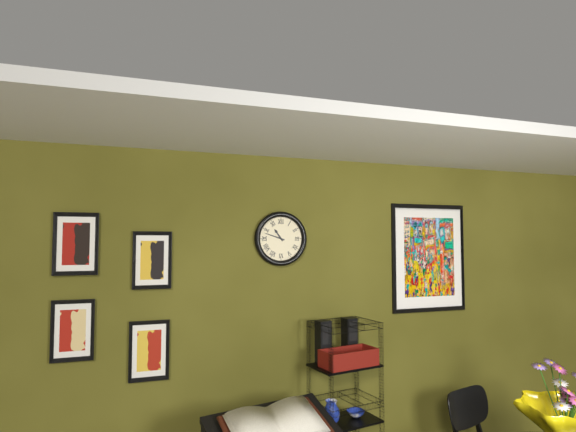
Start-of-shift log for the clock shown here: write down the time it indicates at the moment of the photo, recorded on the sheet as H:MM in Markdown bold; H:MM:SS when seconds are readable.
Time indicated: **10:48**
